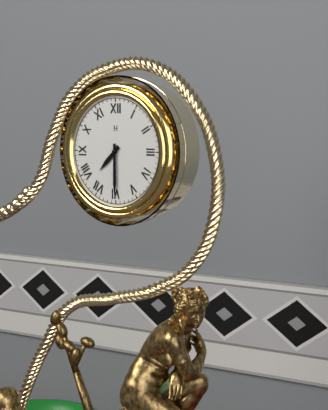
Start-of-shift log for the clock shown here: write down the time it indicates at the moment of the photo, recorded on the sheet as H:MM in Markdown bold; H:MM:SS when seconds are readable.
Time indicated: **7:30**
